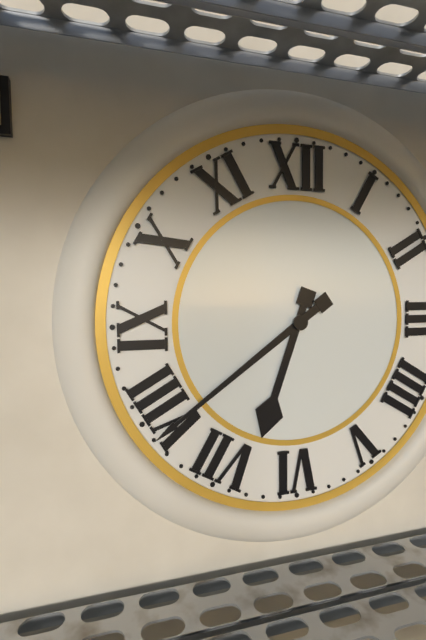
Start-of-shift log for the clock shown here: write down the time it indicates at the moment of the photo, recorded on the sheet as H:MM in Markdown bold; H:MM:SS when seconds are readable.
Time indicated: **6:39**
